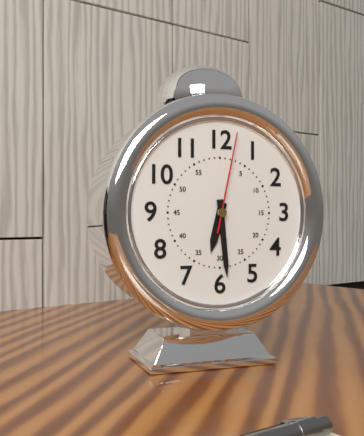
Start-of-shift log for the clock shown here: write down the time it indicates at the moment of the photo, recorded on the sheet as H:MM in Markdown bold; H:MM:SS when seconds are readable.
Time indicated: **6:29:02**
